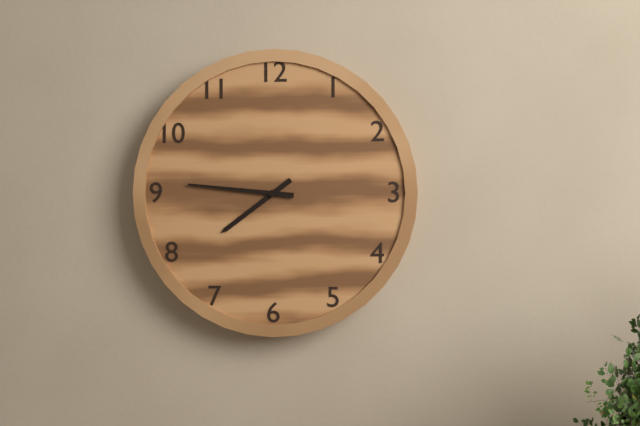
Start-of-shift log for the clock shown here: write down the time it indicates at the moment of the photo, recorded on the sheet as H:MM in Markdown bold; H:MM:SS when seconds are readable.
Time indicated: **7:46**
